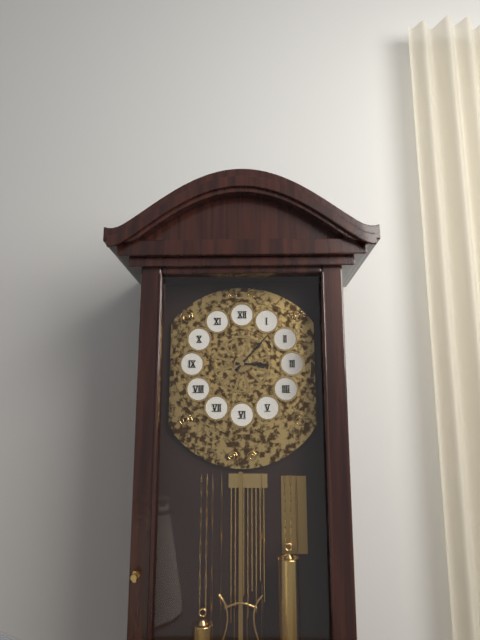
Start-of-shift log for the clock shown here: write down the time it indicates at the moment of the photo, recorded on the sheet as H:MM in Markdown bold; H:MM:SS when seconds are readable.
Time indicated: **3:07**
